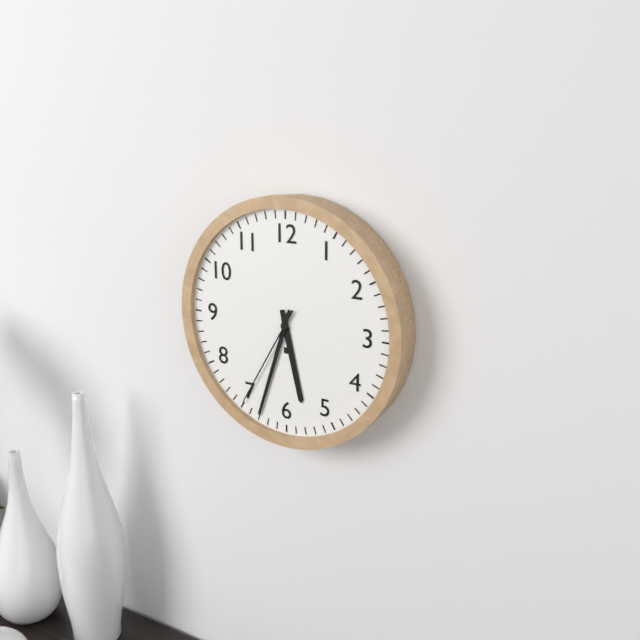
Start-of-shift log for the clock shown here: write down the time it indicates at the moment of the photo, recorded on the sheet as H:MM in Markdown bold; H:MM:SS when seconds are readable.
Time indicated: **5:33:35**
